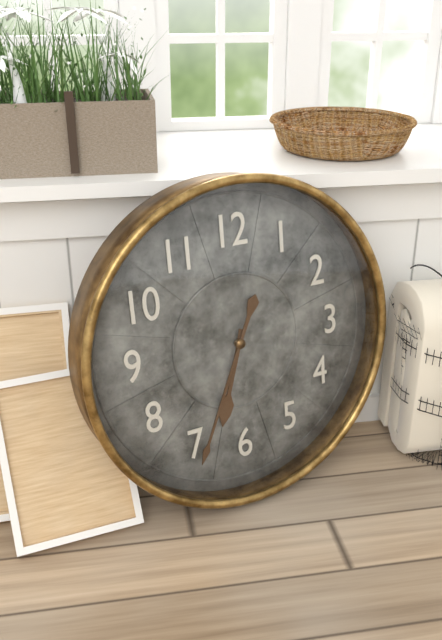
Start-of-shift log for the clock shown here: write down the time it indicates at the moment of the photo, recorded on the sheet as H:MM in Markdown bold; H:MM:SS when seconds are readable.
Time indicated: **6:34**
